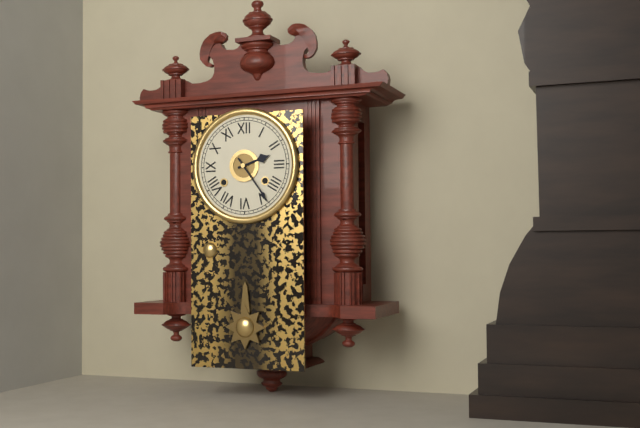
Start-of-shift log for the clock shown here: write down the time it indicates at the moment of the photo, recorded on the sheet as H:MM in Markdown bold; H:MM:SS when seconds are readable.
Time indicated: **2:24**
